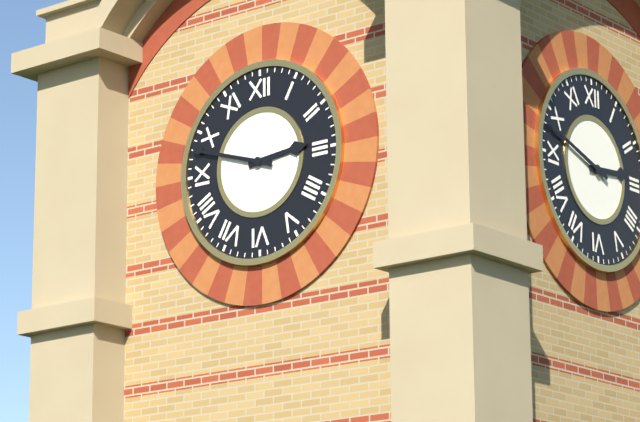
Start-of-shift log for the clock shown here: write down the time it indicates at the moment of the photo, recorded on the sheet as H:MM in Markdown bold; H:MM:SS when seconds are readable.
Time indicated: **2:48**
